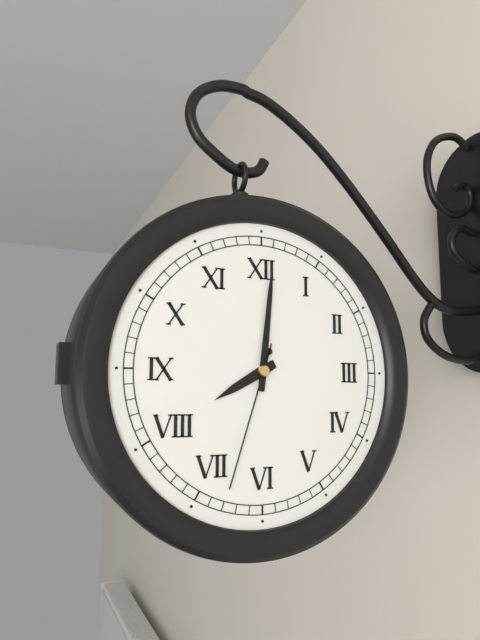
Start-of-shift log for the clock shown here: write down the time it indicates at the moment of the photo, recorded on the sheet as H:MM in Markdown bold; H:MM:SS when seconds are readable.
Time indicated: **8:01:33**
